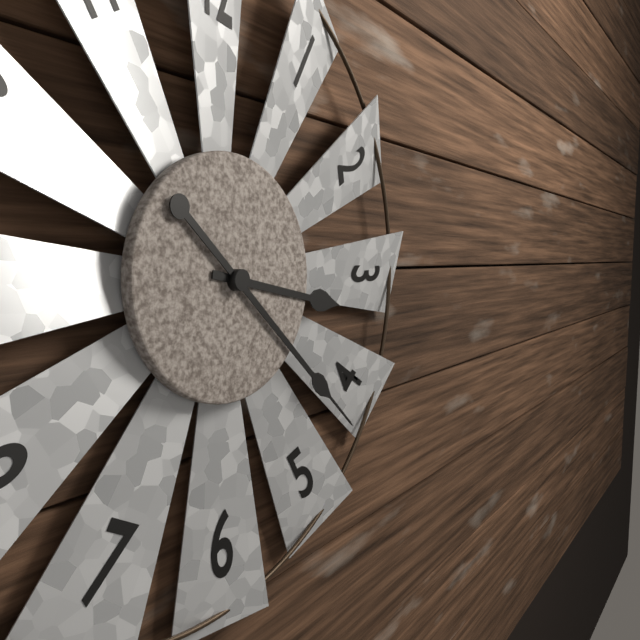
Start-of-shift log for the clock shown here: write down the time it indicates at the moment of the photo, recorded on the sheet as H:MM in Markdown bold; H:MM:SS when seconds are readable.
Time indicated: **3:22**
